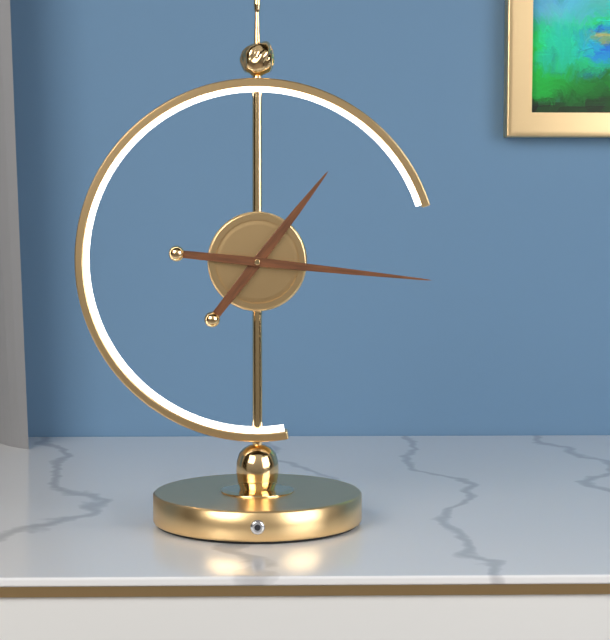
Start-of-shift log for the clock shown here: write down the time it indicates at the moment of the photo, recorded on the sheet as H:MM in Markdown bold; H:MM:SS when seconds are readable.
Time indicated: **1:16**
